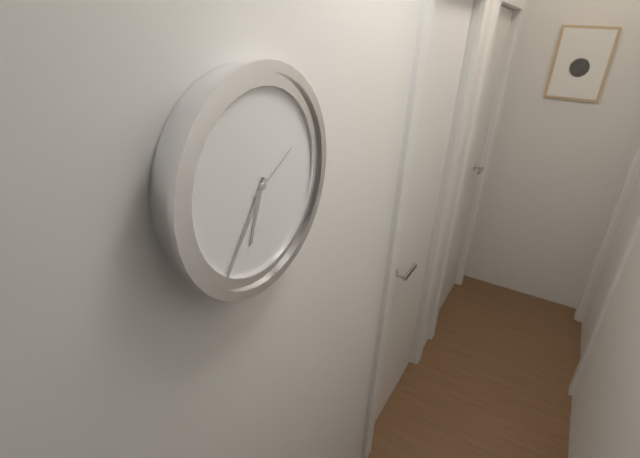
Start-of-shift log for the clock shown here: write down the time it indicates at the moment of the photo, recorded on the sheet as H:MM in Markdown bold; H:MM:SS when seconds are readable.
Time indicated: **6:36:10**
